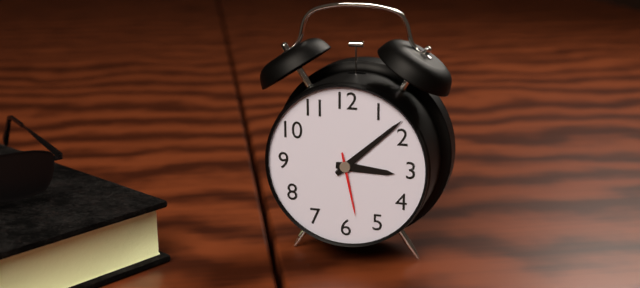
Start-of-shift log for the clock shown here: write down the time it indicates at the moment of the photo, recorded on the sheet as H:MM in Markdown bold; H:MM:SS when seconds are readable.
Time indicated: **3:08:28**
